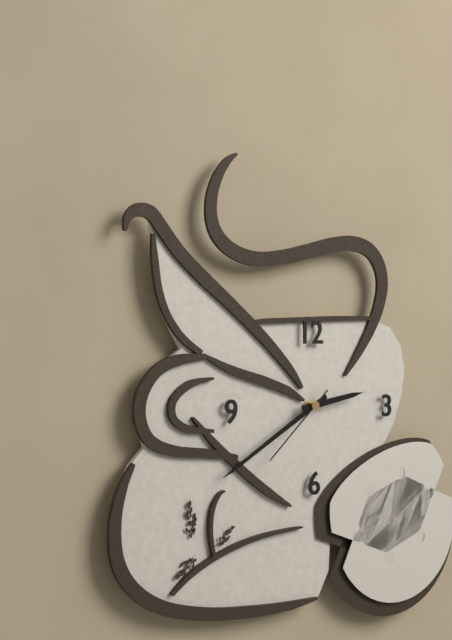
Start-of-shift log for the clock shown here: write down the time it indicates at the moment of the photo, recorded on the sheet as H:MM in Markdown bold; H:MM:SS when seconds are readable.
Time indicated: **2:40:38**
